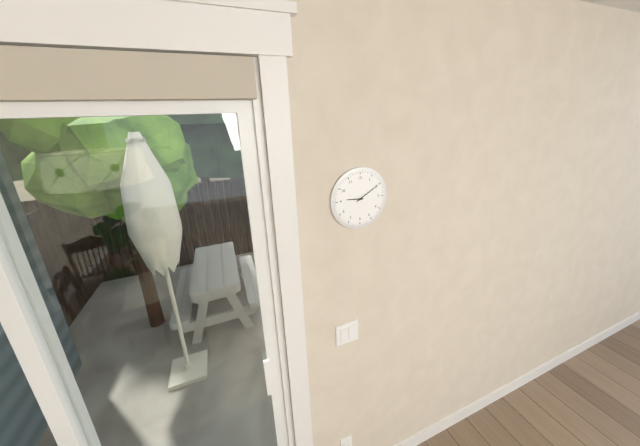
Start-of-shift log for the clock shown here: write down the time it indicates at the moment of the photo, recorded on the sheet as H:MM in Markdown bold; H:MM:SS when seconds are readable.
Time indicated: **9:10**
